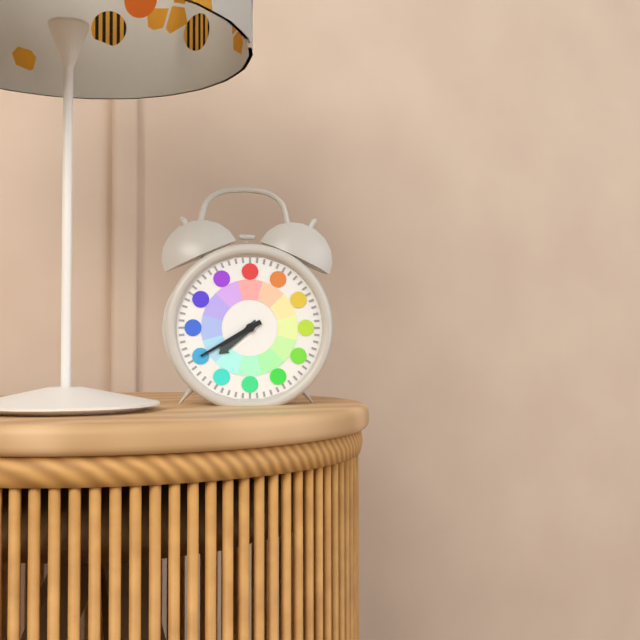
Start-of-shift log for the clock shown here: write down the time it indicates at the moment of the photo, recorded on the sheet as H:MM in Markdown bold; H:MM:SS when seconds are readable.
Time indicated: **7:40**
